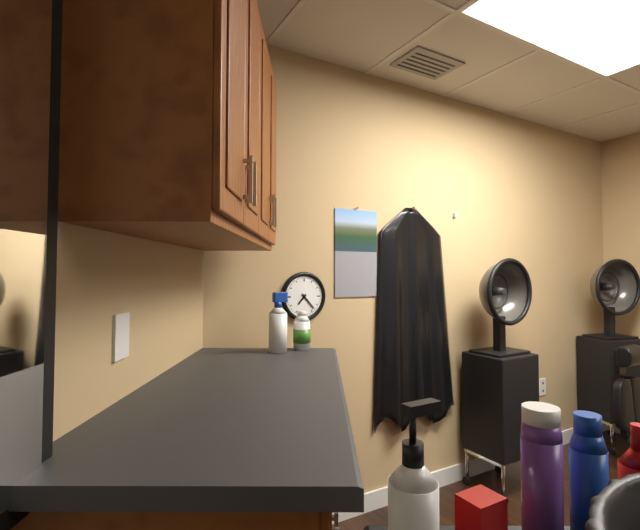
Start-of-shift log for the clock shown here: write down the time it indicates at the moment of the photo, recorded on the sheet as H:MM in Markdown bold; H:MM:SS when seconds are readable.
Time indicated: **7:23**
